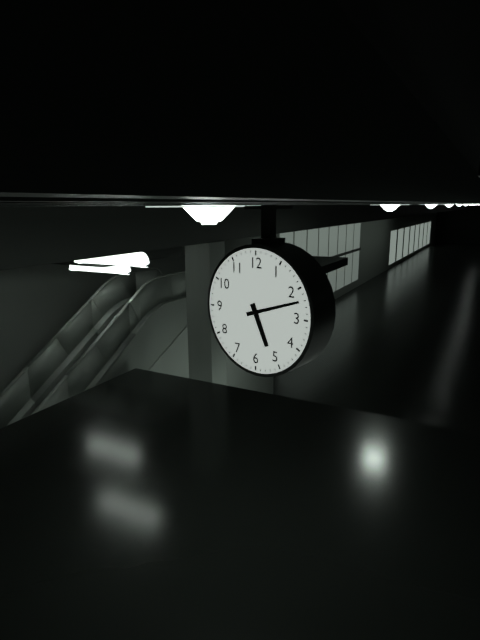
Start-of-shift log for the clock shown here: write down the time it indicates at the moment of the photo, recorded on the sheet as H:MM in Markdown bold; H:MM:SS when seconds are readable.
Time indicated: **5:12**
